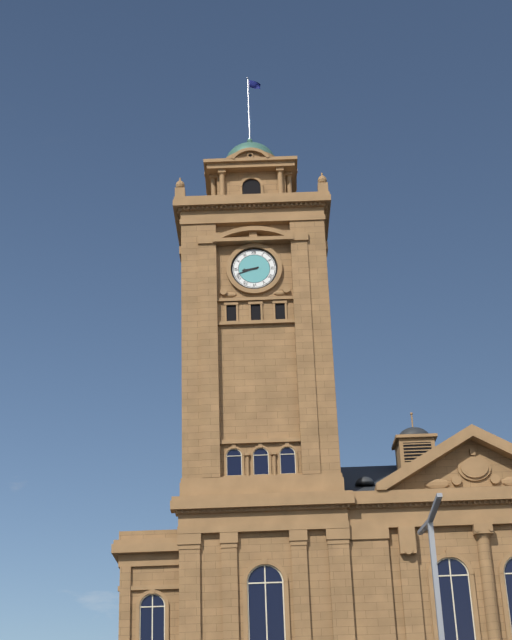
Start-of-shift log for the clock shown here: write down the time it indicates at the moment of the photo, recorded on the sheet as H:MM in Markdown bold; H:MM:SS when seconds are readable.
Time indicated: **8:42**
